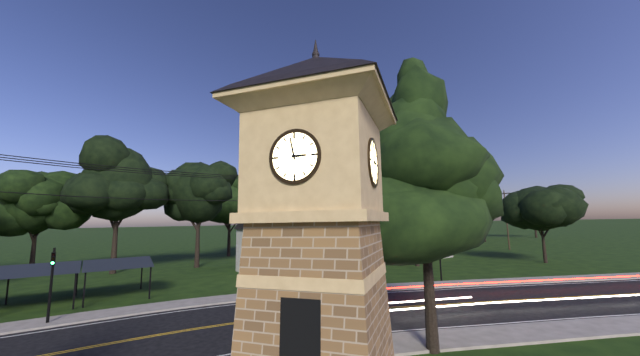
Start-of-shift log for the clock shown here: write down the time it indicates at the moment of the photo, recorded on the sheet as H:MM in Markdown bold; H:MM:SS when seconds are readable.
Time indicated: **2:58**
